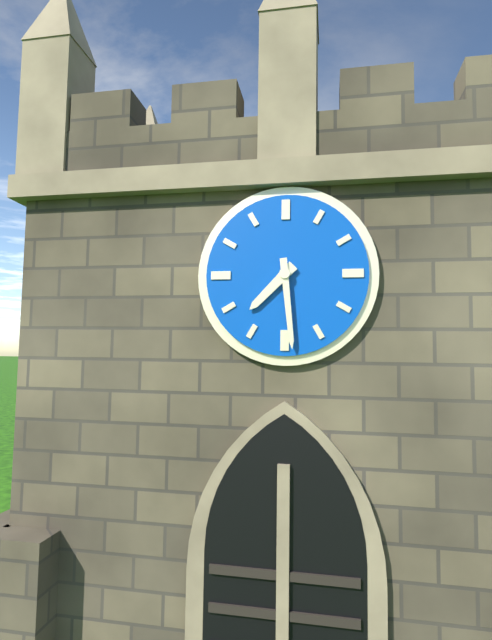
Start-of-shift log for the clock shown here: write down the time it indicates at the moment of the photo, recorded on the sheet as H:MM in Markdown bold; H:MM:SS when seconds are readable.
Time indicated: **7:29**
